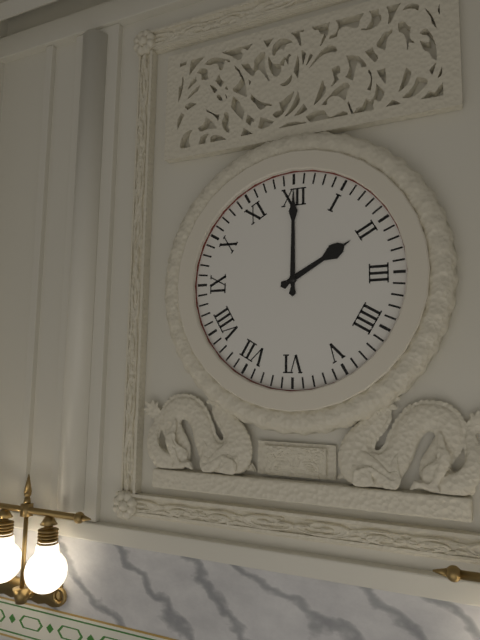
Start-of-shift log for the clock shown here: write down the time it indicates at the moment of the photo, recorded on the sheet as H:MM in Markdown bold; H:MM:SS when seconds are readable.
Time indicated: **2:00**
